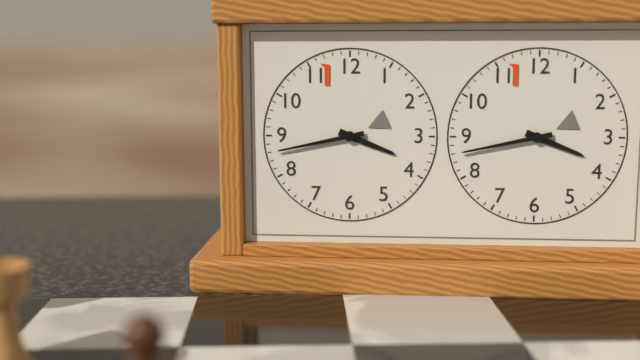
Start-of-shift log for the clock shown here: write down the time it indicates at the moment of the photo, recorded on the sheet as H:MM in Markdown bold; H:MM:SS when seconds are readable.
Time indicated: **3:43**
